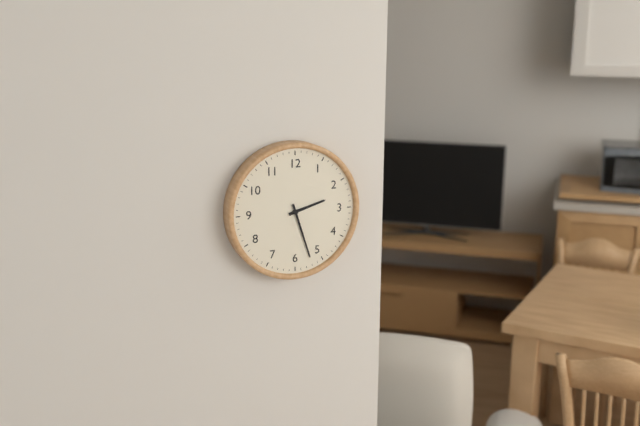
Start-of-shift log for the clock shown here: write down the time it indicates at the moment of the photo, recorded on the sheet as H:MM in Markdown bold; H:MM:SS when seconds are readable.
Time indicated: **2:27**
